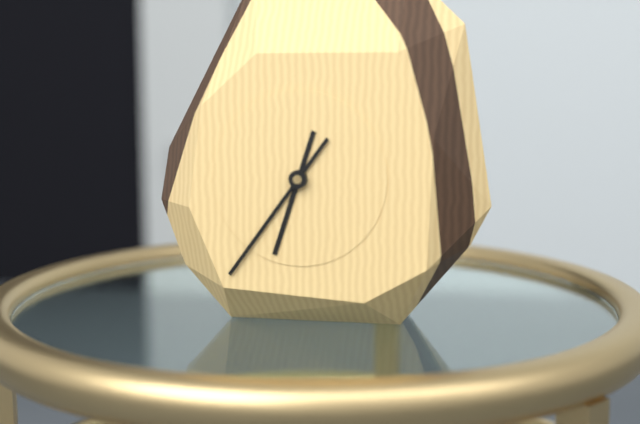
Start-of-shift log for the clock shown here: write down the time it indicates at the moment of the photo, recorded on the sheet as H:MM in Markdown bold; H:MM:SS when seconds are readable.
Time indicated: **6:36**
